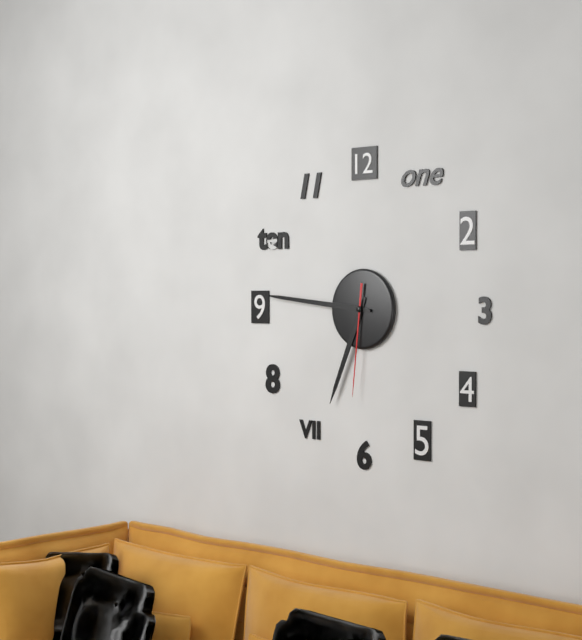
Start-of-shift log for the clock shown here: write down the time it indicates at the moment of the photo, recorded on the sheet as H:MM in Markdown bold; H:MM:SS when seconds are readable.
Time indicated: **6:46:31**
